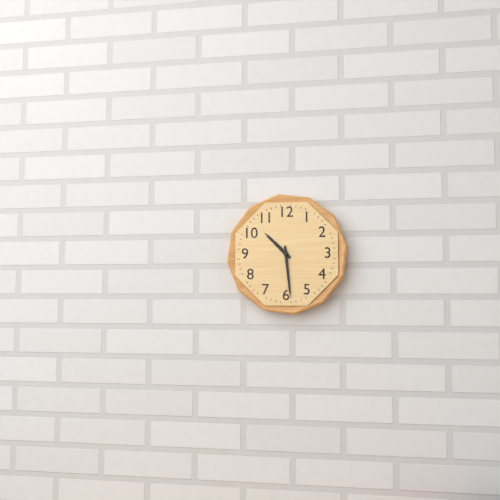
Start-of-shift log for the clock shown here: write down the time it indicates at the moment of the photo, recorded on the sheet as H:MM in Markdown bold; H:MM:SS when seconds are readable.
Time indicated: **10:29**
